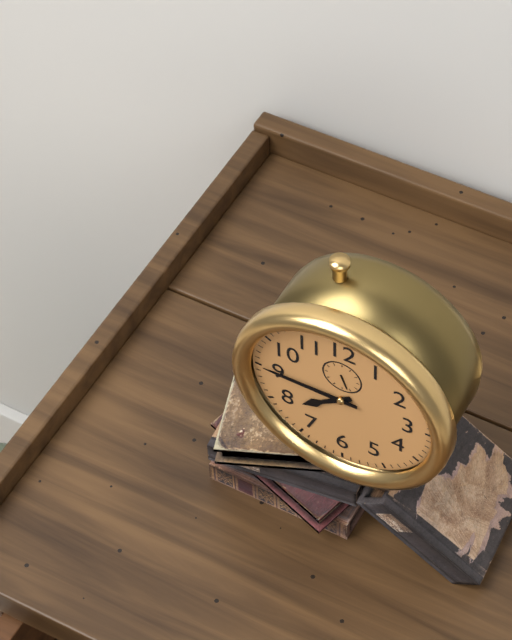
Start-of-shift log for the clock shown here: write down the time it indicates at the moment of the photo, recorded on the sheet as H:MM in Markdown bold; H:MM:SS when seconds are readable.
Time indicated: **7:45**
